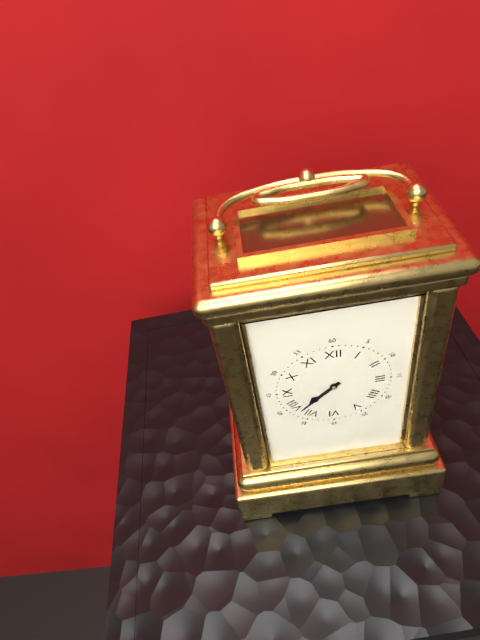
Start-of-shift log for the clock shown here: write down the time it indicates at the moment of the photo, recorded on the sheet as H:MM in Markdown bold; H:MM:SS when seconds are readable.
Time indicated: **7:38**
